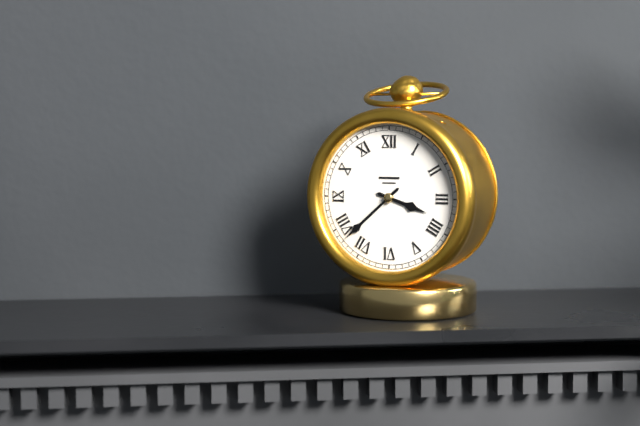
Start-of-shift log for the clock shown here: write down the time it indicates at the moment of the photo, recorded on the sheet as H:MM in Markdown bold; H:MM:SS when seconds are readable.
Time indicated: **3:38**
